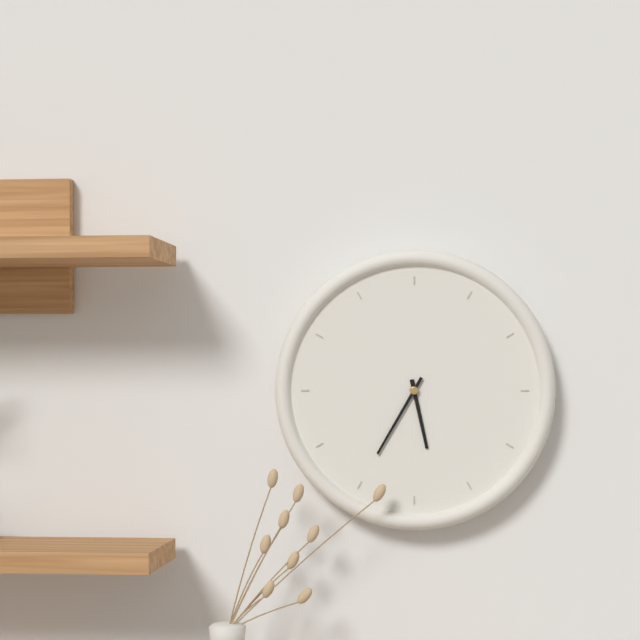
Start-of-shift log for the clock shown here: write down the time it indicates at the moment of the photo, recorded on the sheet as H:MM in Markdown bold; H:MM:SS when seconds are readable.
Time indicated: **5:35**
